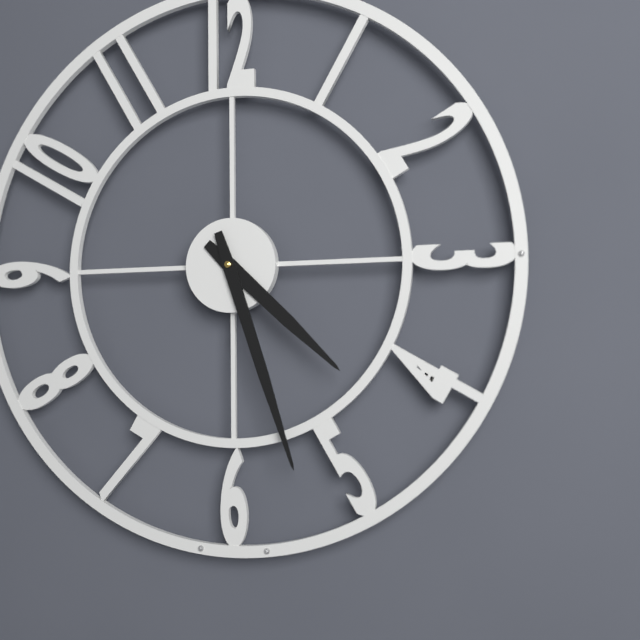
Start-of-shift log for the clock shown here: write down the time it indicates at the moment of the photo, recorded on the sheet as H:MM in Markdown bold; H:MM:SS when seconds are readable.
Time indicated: **4:27**
